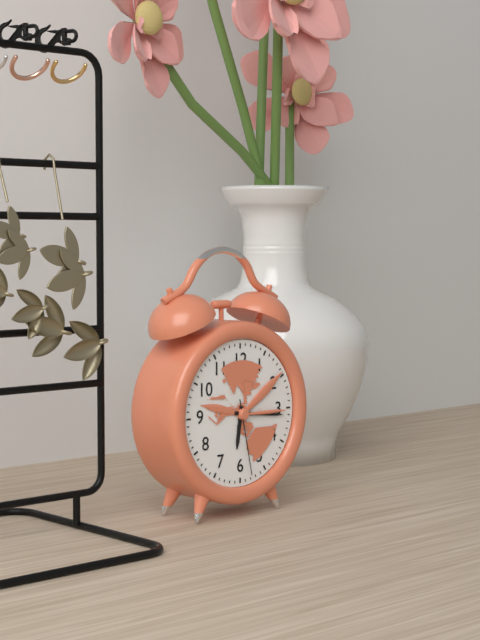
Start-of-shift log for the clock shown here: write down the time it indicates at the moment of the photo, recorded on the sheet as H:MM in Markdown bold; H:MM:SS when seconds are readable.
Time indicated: **6:16:28**
